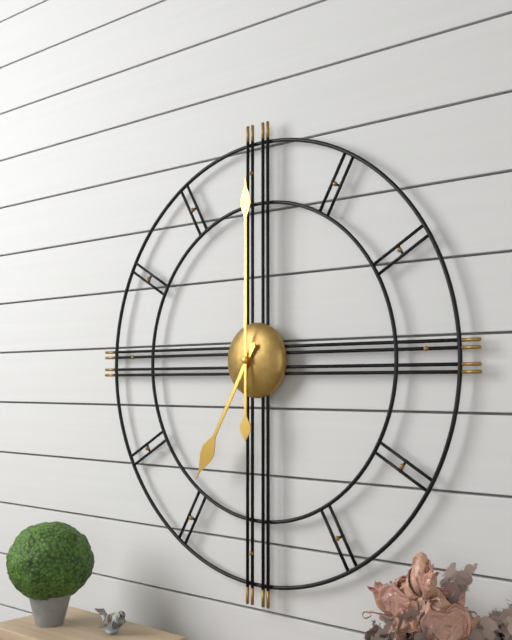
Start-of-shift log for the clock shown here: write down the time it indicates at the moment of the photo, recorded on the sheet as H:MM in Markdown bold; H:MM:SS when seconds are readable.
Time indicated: **7:00**
